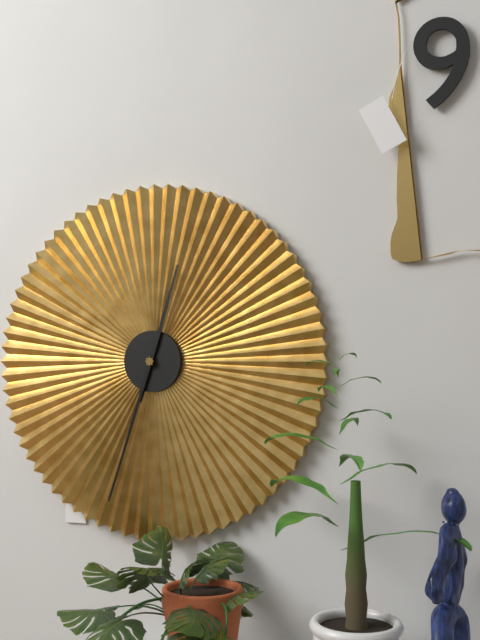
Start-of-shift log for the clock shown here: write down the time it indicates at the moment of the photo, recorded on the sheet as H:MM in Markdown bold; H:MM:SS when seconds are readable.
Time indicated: **12:33**
